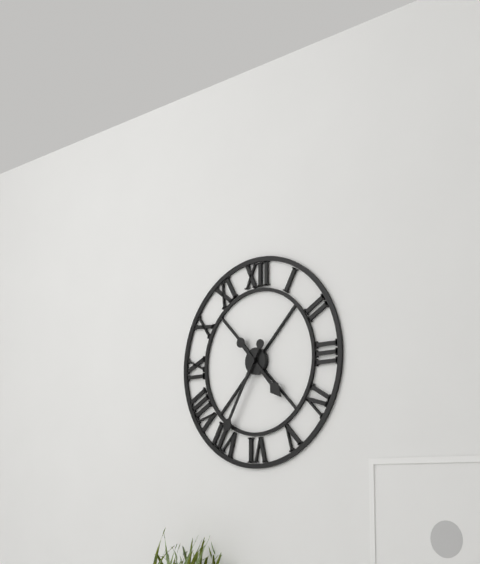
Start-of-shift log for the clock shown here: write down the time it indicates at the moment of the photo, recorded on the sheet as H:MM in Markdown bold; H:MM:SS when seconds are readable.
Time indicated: **4:35**
